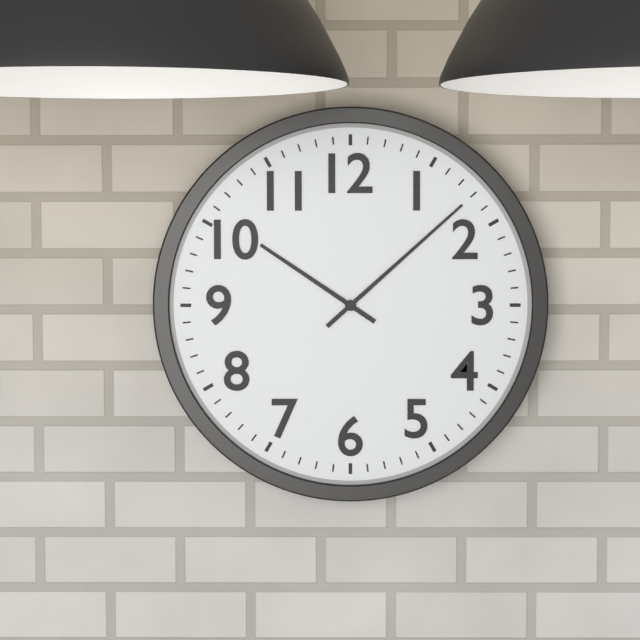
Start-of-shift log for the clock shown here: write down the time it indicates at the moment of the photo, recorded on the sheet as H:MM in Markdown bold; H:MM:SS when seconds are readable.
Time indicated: **10:08**
